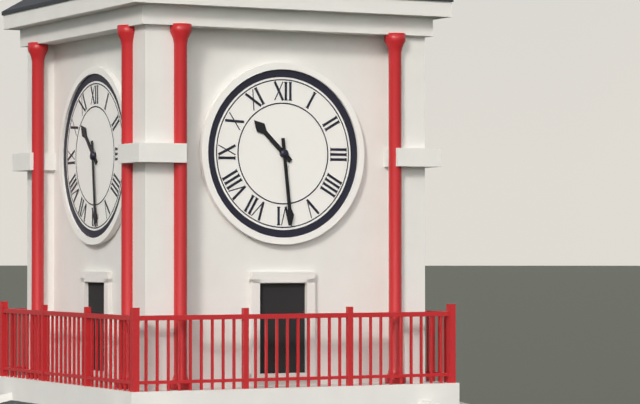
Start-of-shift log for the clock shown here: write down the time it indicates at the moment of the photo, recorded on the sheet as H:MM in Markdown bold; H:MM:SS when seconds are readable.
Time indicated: **10:29**
